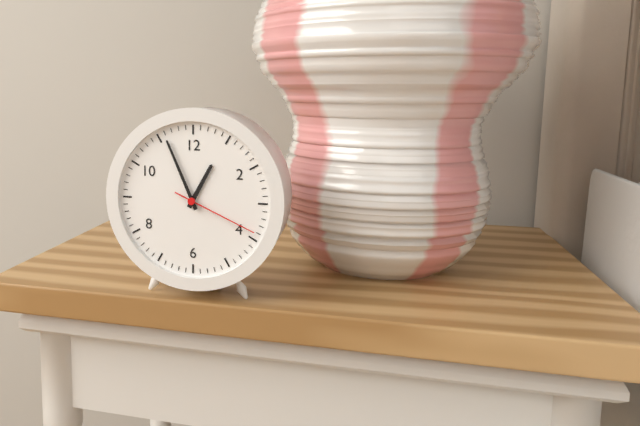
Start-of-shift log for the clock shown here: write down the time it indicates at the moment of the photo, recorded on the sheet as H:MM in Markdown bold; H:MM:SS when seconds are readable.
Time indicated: **12:56:19**
